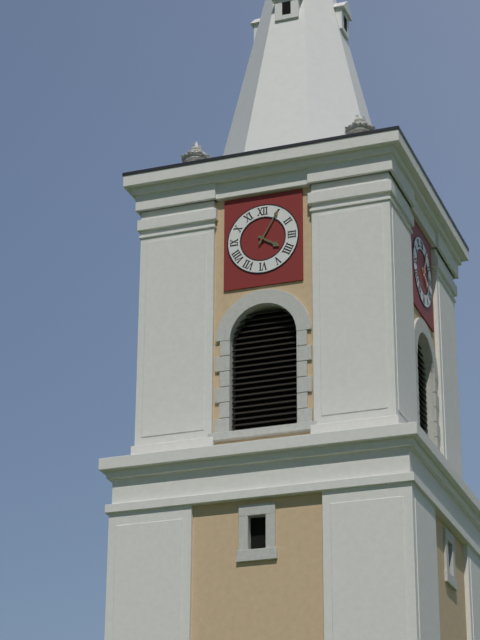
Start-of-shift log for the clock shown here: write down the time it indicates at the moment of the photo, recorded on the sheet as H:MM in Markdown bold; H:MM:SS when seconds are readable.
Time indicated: **4:05**
